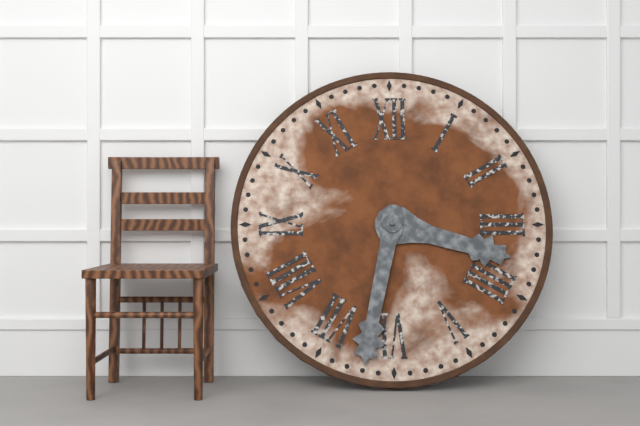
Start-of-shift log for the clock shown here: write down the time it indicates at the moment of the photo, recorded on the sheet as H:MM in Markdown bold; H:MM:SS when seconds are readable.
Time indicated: **3:32**
